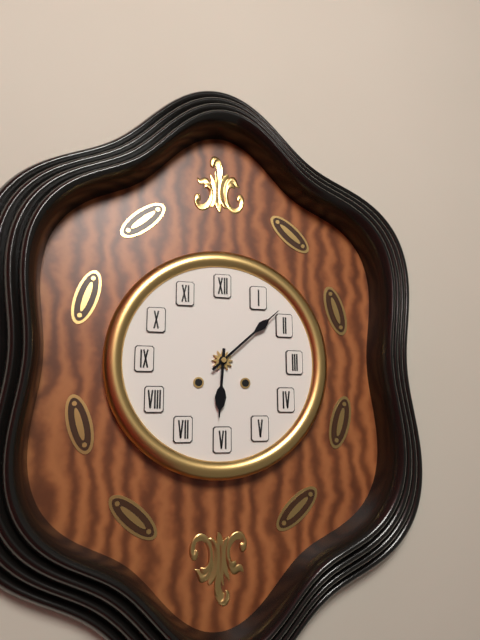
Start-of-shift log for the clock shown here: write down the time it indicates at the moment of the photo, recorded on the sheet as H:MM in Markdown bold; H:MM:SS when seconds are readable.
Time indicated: **6:08**
